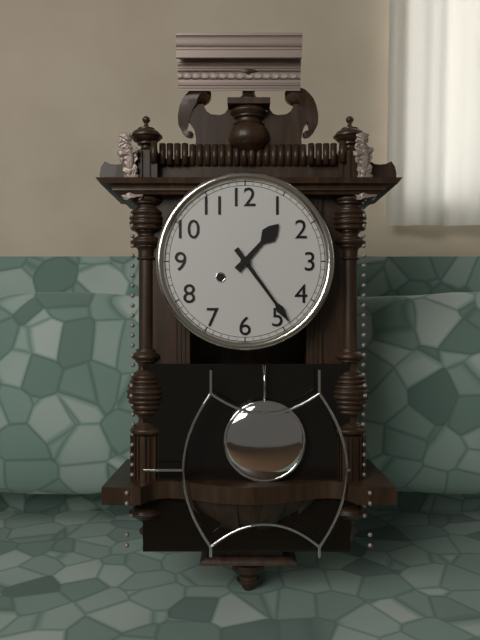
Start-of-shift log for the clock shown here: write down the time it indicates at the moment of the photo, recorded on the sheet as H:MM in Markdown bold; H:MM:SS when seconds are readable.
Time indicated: **1:24**
